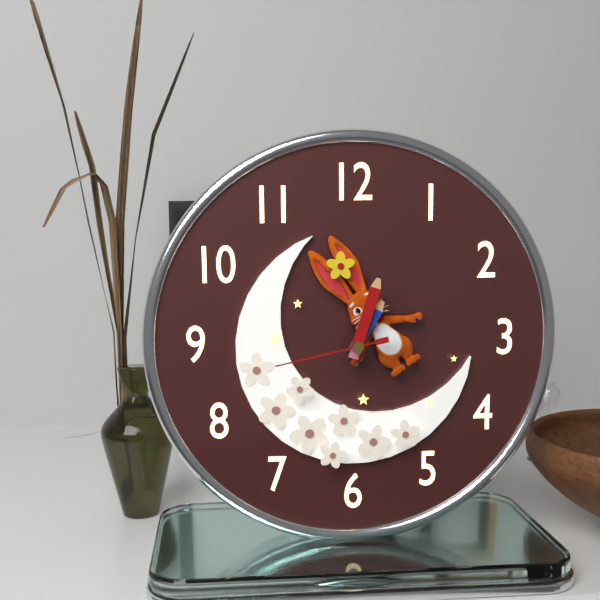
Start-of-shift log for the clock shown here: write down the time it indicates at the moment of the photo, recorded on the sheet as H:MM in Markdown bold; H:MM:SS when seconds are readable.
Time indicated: **1:03:43**
